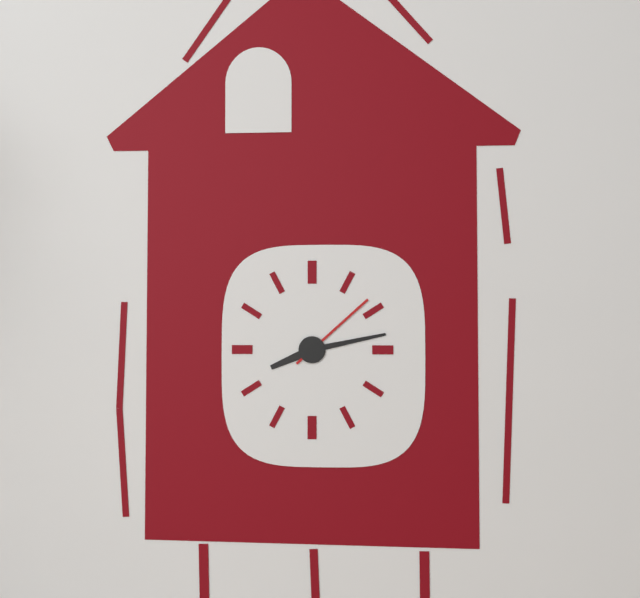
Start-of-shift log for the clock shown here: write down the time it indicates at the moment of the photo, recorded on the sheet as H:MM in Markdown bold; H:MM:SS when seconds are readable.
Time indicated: **8:13:08**
